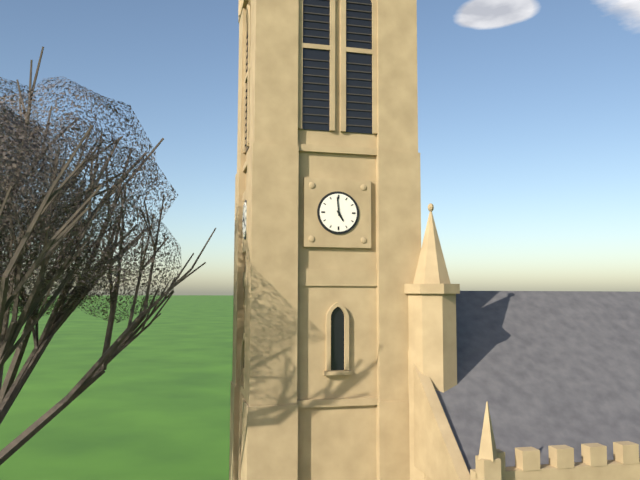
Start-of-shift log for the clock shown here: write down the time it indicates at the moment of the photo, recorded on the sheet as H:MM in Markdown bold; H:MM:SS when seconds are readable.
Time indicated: **4:59**
